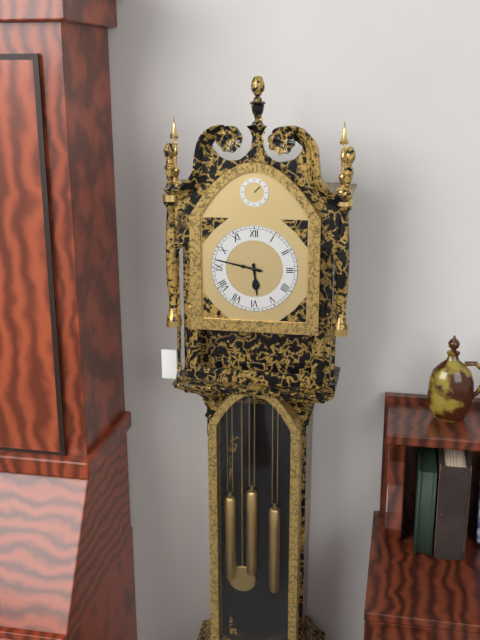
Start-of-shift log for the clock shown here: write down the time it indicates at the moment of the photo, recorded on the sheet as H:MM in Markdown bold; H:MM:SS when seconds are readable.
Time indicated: **5:47**
